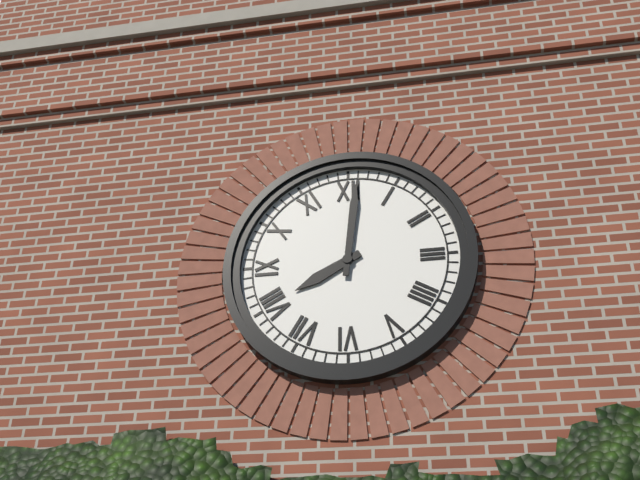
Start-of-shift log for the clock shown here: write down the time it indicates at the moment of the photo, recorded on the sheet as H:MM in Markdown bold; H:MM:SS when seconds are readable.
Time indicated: **8:01**
